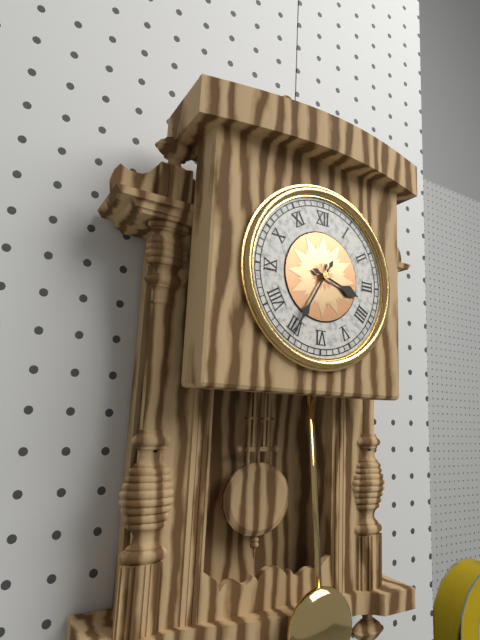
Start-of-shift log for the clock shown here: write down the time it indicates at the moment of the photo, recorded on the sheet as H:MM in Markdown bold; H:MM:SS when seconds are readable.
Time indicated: **3:35**
